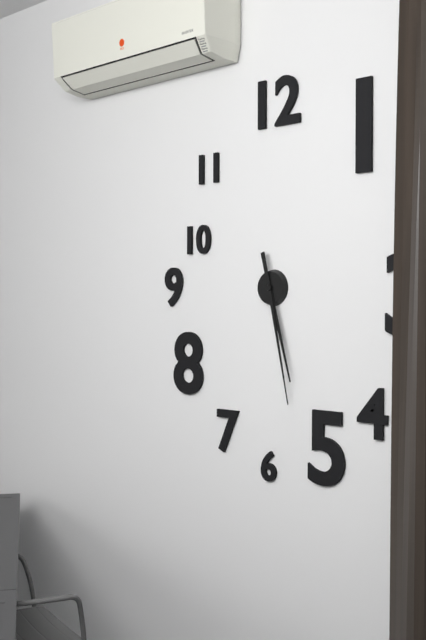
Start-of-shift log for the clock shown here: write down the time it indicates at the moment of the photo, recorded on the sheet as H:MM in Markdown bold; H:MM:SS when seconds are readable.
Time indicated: **5:28**
